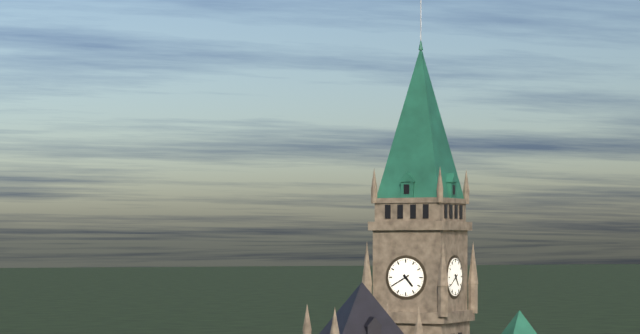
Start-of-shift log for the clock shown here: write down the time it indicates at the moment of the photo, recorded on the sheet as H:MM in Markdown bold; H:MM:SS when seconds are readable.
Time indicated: **4:40**
